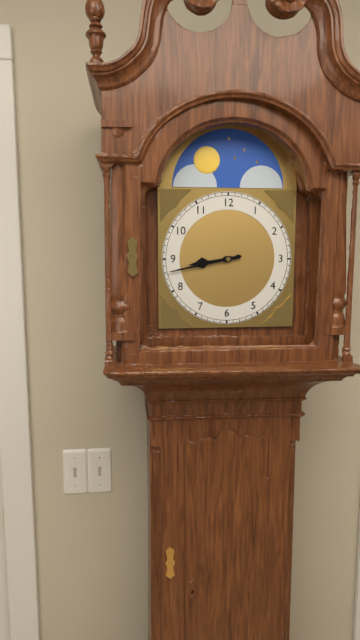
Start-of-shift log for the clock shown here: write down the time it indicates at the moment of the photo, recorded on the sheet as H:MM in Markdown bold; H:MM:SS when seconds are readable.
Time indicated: **8:43**
